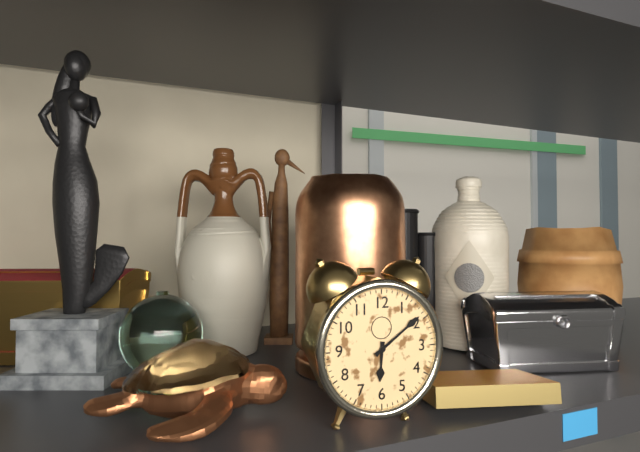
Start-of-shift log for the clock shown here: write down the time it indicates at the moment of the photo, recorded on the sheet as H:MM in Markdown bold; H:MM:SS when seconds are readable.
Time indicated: **6:09**
